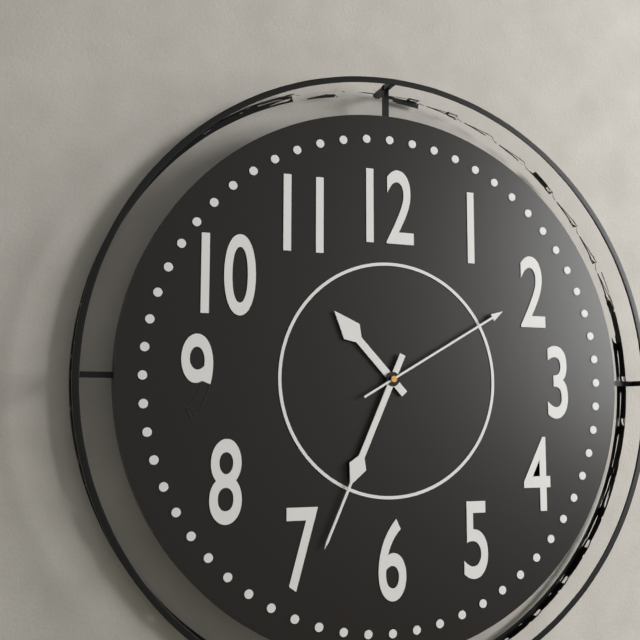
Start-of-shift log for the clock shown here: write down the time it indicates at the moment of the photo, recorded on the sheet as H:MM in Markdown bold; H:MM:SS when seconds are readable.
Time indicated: **10:34:10**
